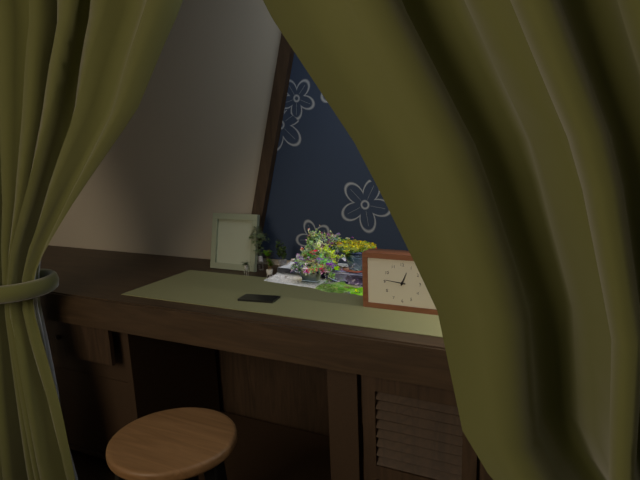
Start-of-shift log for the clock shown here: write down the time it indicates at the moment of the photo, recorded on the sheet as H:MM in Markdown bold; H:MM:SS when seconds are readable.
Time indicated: **12:46**
